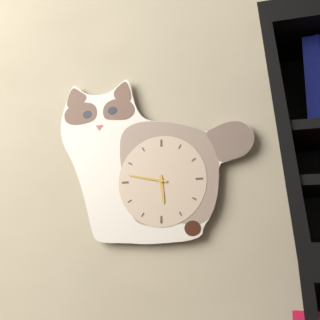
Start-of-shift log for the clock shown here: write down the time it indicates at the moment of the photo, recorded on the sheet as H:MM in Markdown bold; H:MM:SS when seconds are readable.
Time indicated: **5:47**
